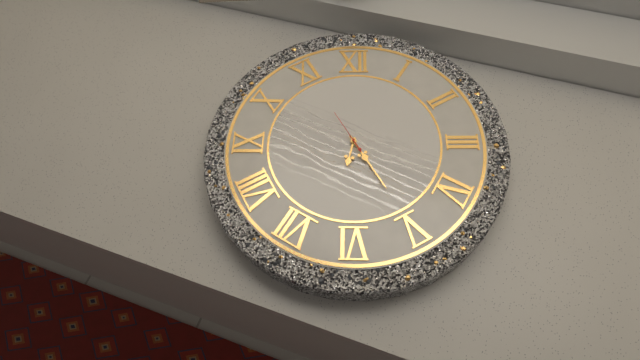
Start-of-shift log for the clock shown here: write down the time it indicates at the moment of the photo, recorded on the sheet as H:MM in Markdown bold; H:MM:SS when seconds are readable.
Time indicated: **6:25**
